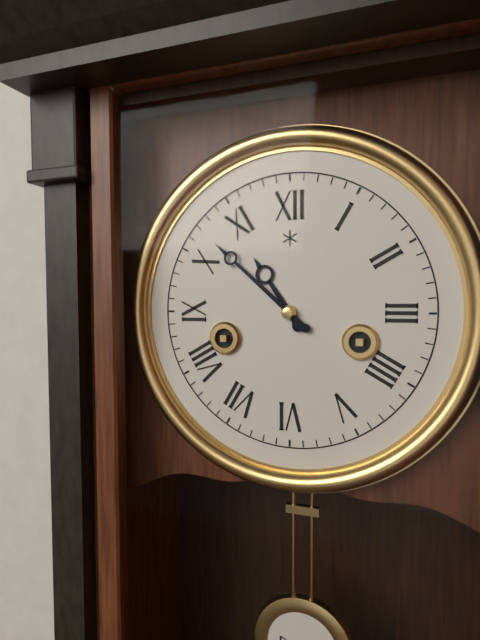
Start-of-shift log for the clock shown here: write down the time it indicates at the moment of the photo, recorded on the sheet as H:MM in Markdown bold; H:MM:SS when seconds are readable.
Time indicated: **10:52**
